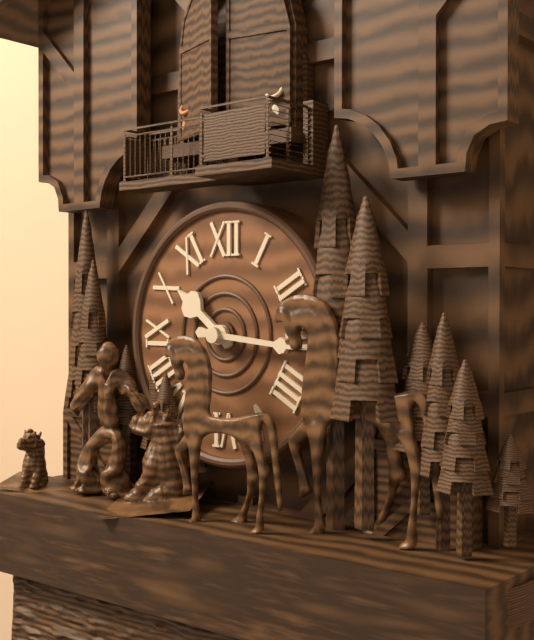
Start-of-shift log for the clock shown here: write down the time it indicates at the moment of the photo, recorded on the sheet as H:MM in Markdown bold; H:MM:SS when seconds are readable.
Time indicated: **10:16**
